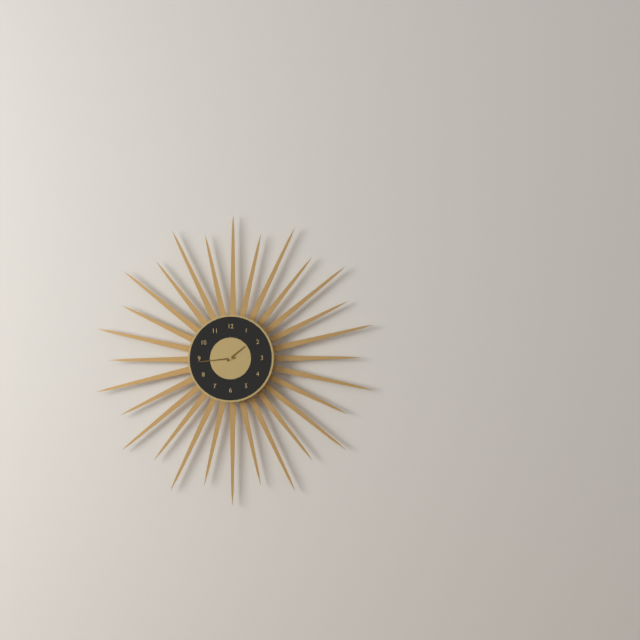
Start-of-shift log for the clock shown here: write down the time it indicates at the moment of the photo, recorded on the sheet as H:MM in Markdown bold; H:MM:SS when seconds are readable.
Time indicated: **1:44**
